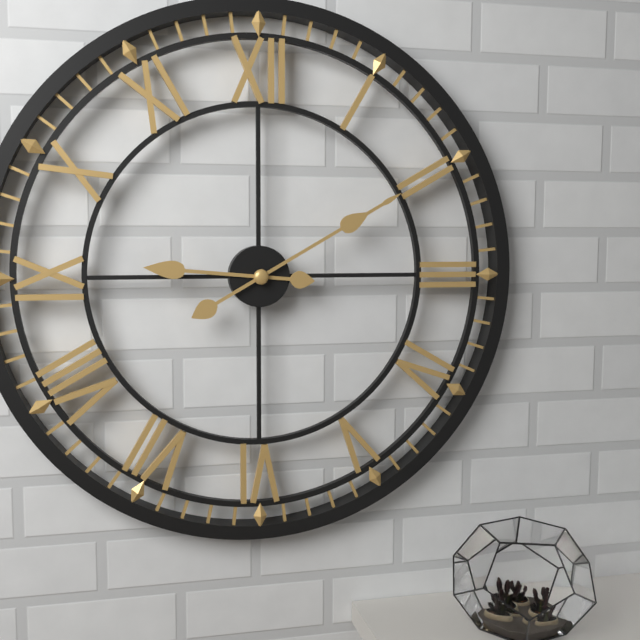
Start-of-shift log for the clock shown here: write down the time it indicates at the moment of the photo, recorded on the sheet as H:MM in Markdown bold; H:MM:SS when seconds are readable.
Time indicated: **9:10**
